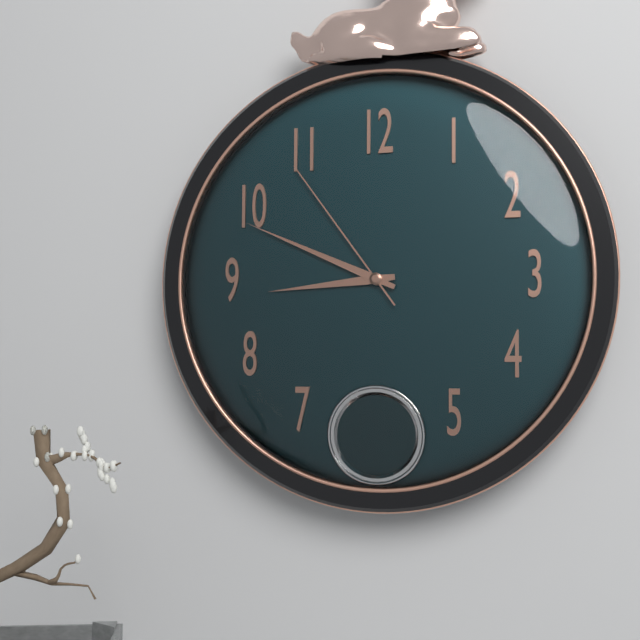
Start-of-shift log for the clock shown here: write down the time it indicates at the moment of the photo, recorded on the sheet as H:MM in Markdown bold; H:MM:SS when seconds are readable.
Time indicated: **8:49:54**
